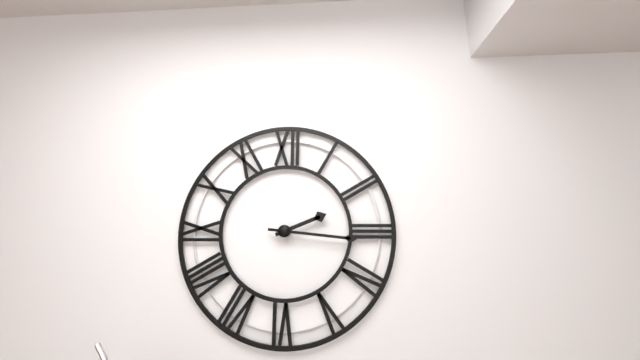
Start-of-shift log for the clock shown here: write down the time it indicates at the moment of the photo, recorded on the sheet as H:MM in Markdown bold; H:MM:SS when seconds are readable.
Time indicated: **2:16**
